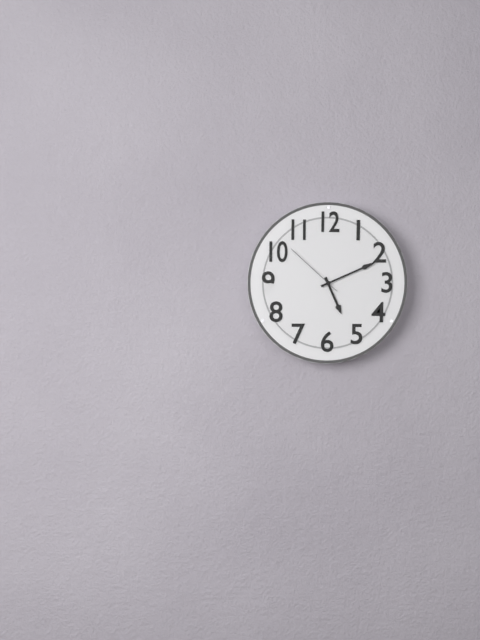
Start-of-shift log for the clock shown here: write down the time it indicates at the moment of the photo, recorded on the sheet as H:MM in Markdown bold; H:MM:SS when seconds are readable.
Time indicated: **5:11:52**
